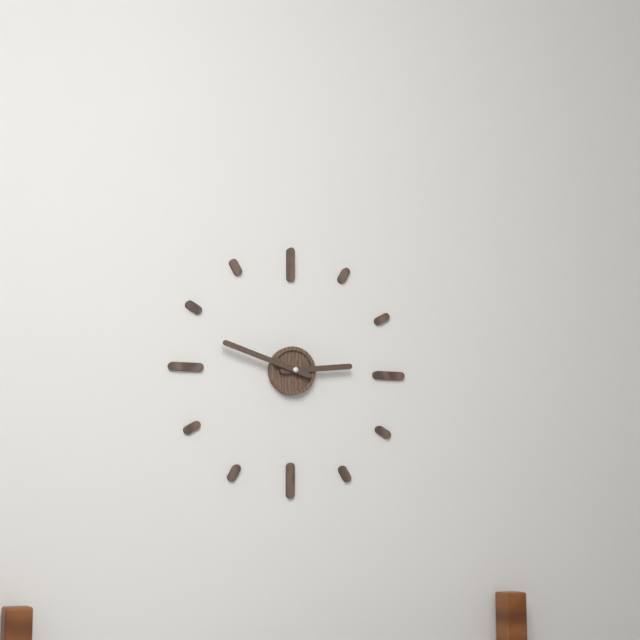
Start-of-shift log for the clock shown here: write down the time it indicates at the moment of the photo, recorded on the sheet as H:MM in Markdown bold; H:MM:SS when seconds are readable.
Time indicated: **2:48**
